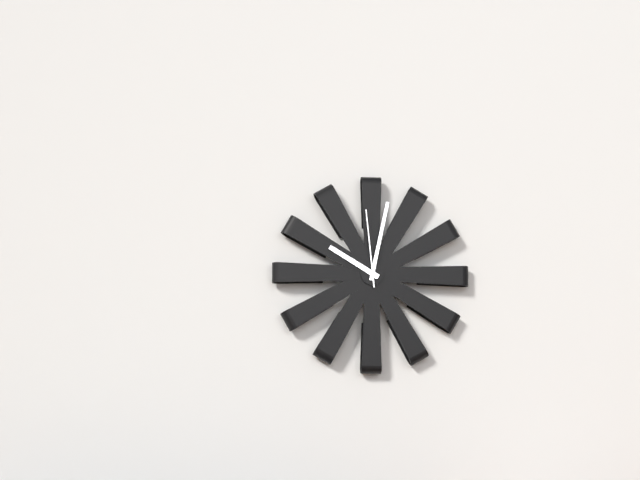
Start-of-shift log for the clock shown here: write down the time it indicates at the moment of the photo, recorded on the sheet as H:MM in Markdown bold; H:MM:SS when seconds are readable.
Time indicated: **10:02:59**
